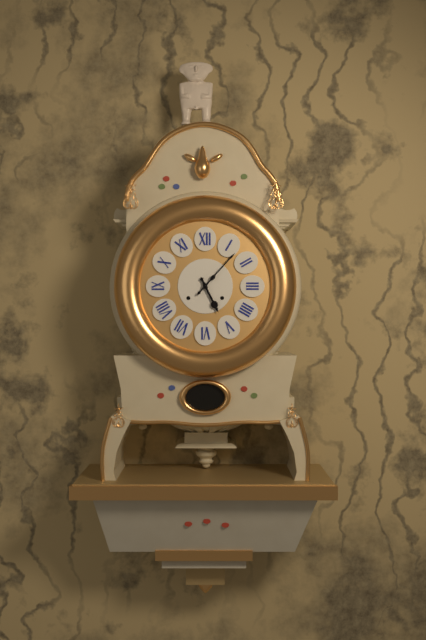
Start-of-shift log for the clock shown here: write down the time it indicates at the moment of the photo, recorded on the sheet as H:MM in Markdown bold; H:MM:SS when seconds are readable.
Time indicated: **5:07**
